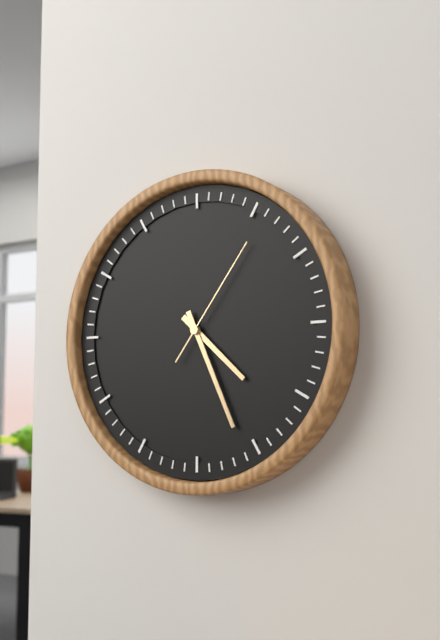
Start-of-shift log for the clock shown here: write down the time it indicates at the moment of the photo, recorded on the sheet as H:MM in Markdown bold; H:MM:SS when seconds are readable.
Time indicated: **4:26:06**
